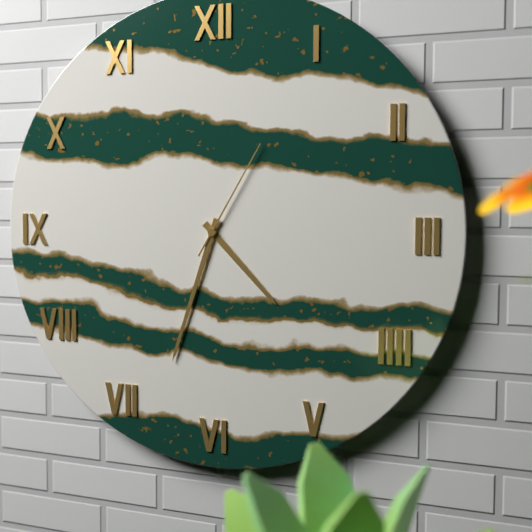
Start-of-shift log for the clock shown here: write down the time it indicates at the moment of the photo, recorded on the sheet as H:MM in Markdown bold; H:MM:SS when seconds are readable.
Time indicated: **4:33:05**
